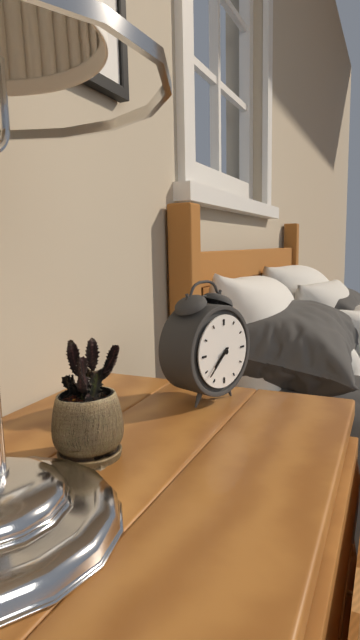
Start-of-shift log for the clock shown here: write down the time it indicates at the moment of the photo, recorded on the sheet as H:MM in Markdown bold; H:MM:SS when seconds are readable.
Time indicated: **7:38**
